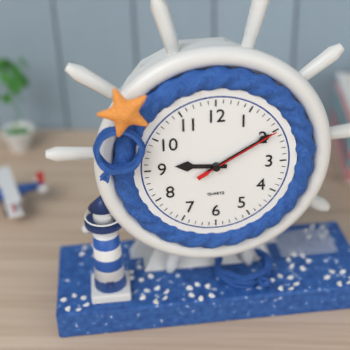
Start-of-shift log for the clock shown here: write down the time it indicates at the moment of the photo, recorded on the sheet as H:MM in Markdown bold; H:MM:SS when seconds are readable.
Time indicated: **9:10:10**
